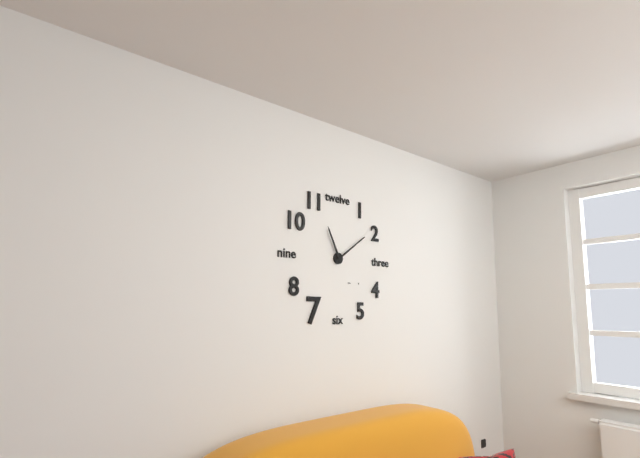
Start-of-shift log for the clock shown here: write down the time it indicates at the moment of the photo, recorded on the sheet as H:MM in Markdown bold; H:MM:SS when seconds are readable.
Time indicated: **11:09**
